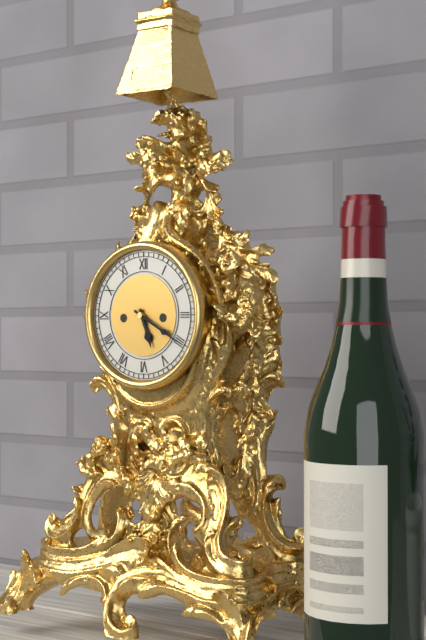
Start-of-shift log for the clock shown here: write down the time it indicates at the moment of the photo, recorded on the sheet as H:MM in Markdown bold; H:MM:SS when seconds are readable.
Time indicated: **5:20**
